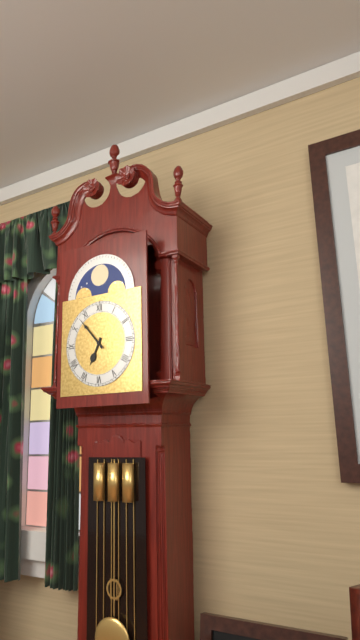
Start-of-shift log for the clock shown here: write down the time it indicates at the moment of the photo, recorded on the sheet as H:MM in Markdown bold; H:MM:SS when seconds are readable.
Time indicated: **6:53**
